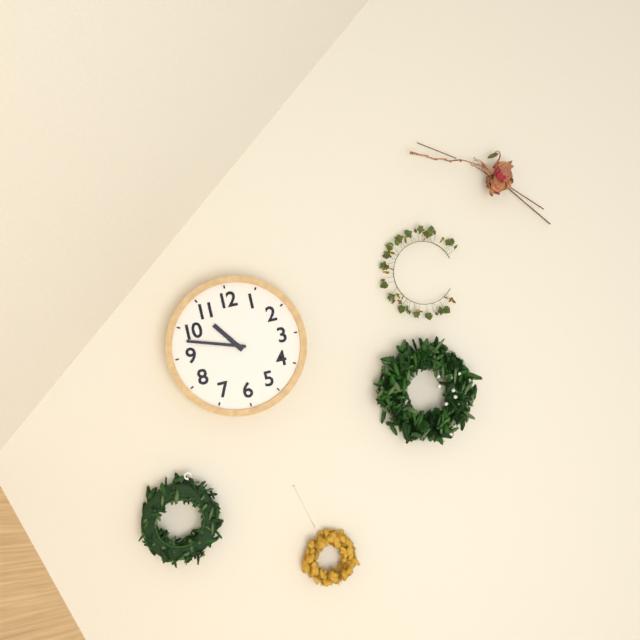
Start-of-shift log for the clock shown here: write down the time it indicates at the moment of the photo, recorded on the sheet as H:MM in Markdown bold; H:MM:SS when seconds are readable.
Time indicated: **10:48**
